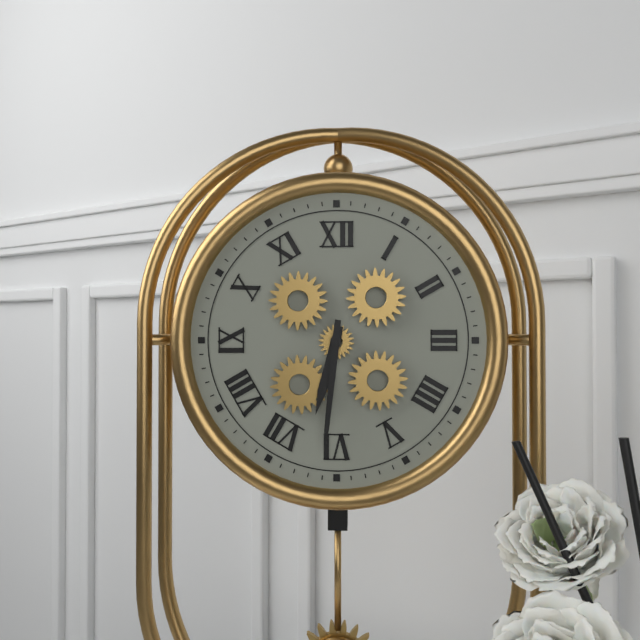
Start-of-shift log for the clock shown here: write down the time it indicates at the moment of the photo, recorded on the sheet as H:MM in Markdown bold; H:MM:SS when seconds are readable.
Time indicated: **6:31**
